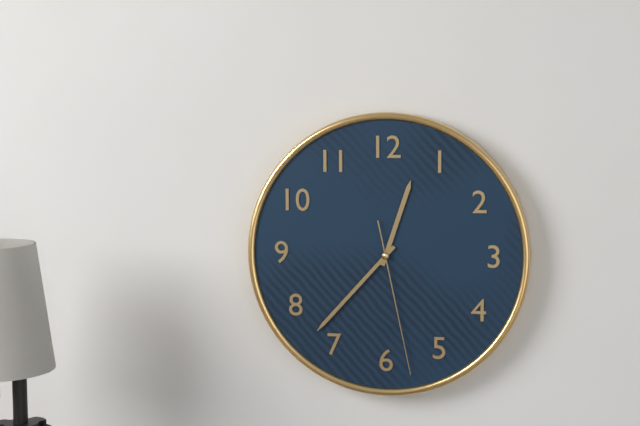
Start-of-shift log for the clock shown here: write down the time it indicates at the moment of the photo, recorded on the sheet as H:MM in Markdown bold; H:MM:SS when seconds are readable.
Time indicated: **12:37:28**
